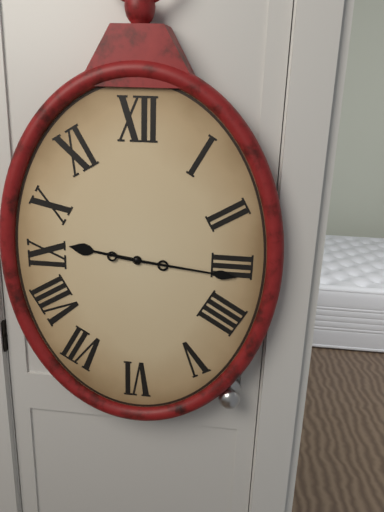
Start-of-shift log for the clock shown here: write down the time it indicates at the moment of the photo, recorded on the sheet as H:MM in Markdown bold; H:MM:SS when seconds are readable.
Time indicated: **9:16**
